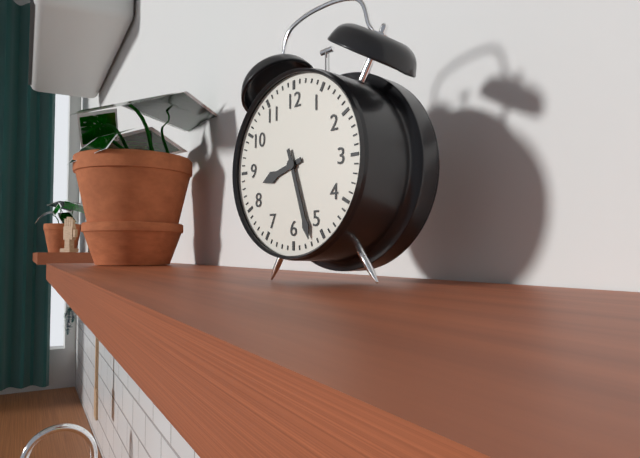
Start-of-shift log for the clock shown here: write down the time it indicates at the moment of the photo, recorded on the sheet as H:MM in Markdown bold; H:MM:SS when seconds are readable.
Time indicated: **8:27**
